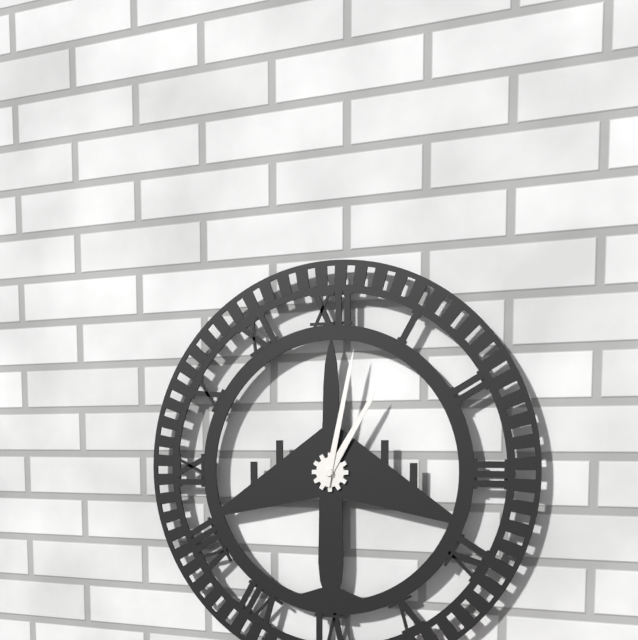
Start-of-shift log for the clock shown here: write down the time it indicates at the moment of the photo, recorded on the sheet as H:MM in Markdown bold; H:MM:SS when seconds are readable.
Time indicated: **1:02**
